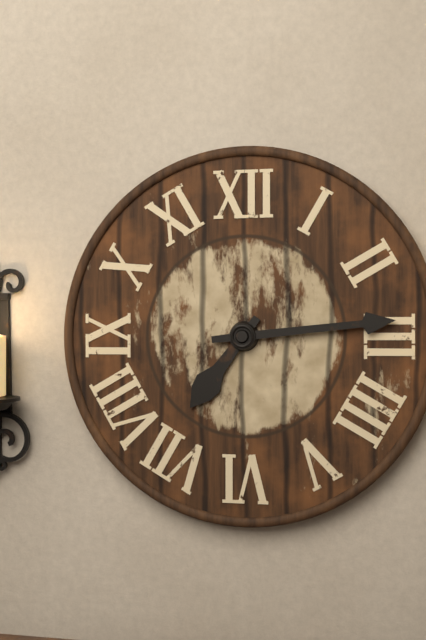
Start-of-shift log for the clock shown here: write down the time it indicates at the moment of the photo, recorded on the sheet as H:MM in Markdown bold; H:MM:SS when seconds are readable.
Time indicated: **7:14**
